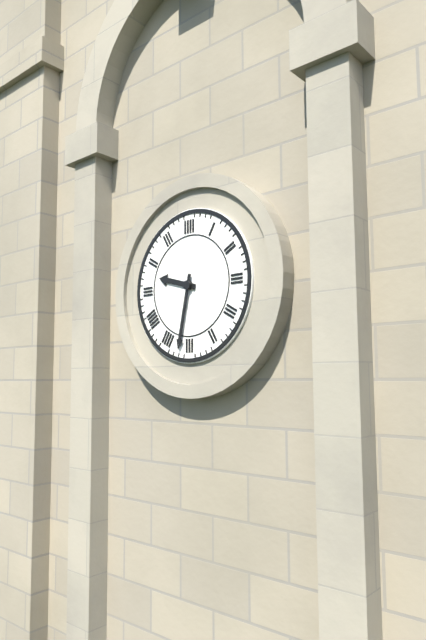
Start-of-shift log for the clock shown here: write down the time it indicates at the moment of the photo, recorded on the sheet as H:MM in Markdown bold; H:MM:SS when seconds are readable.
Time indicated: **9:32**
